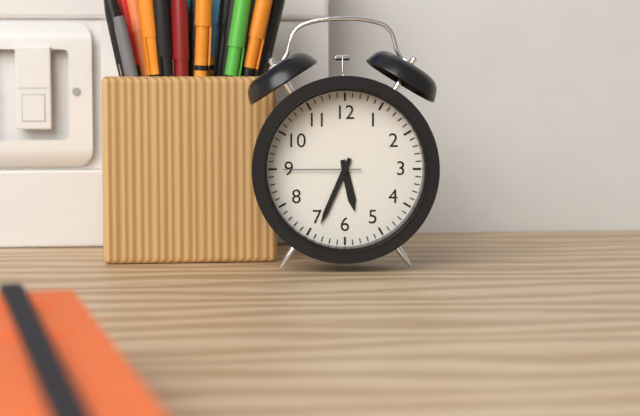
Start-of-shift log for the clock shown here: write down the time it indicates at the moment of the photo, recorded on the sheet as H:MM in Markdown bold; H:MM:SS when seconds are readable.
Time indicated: **5:34:45**
